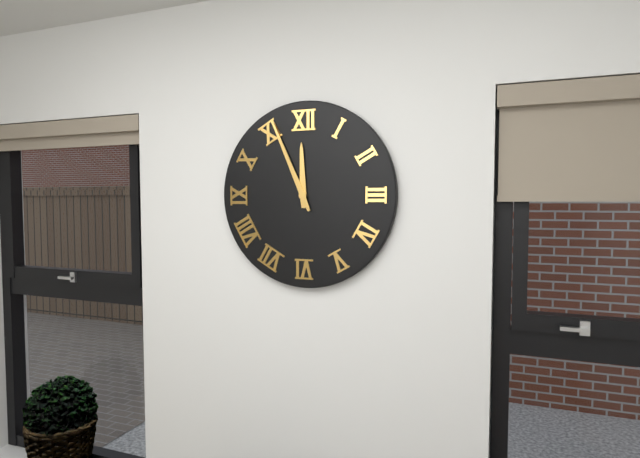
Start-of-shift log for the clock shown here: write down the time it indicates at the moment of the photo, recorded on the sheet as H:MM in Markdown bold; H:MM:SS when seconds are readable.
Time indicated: **11:56**
